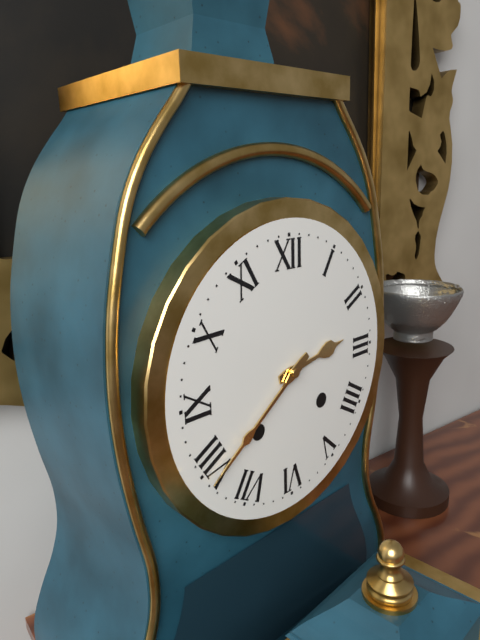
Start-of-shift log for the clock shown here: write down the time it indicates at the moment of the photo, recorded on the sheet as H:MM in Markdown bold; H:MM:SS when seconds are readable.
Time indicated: **2:39**
